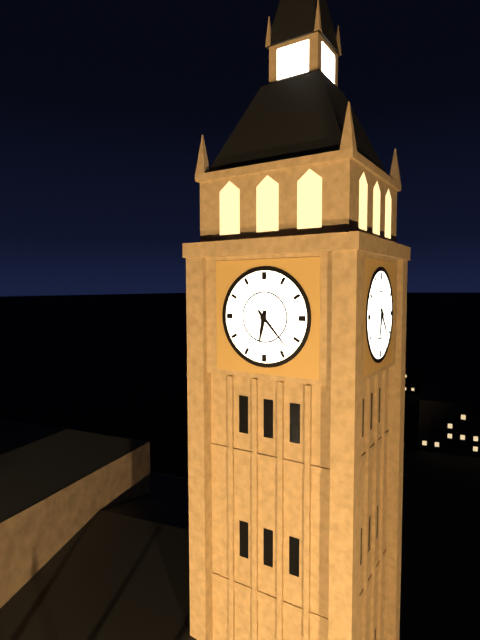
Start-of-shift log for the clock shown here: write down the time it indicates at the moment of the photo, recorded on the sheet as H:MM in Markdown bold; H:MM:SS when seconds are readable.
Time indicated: **6:23**
